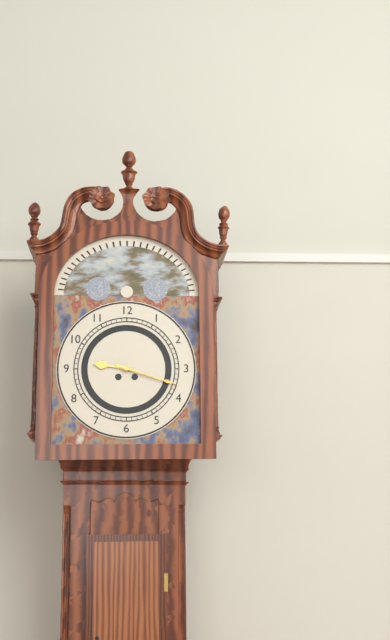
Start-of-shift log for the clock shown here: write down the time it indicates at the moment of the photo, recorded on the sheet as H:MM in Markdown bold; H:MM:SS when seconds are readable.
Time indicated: **9:18**
